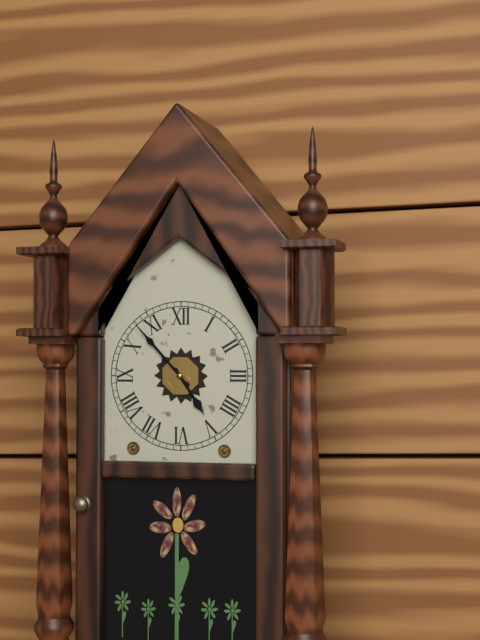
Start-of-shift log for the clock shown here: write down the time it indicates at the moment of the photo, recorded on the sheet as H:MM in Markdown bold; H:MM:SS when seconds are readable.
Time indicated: **4:53**
